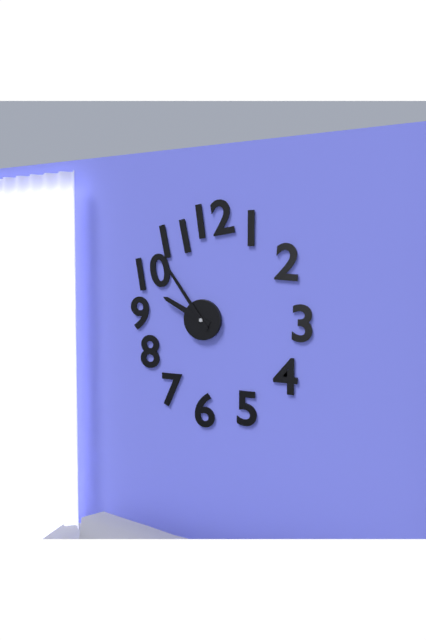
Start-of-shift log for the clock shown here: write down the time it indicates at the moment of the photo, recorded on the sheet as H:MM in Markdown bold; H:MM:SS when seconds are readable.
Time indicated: **9:54**
